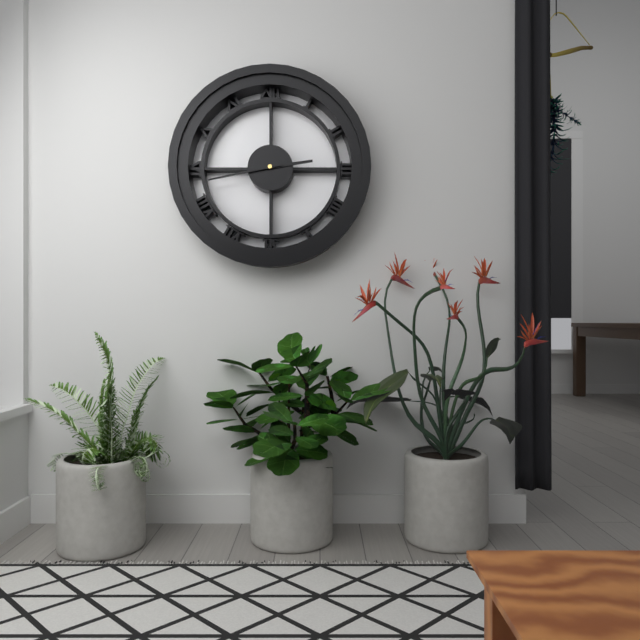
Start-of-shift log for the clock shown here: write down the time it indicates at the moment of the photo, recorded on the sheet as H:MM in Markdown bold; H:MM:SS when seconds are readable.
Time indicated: **2:43**
